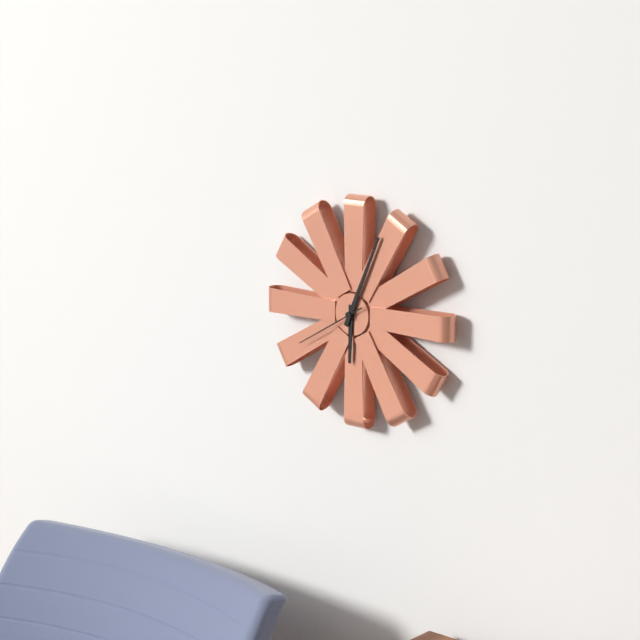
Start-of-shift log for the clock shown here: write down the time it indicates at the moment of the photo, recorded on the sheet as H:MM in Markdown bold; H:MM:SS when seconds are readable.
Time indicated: **6:04:40**
